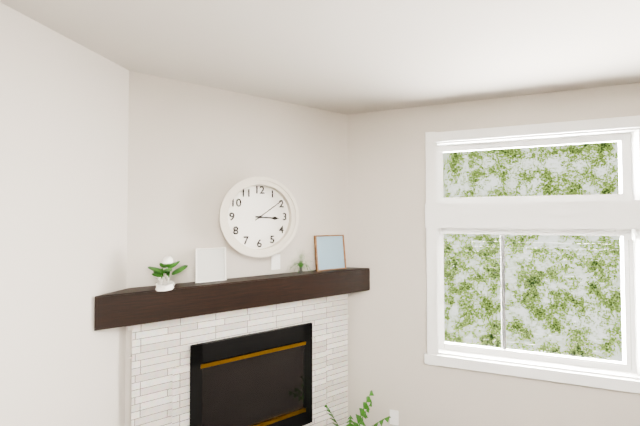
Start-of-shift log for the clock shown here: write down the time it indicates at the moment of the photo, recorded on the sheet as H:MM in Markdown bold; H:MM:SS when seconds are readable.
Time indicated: **3:09**
